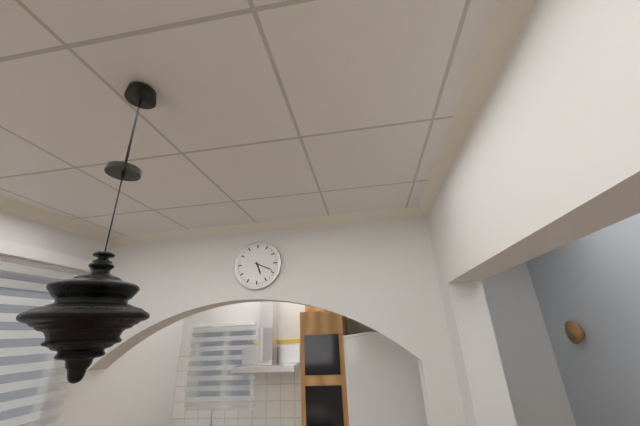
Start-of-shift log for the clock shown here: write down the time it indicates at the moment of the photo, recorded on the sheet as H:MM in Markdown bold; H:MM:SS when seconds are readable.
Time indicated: **5:19**
